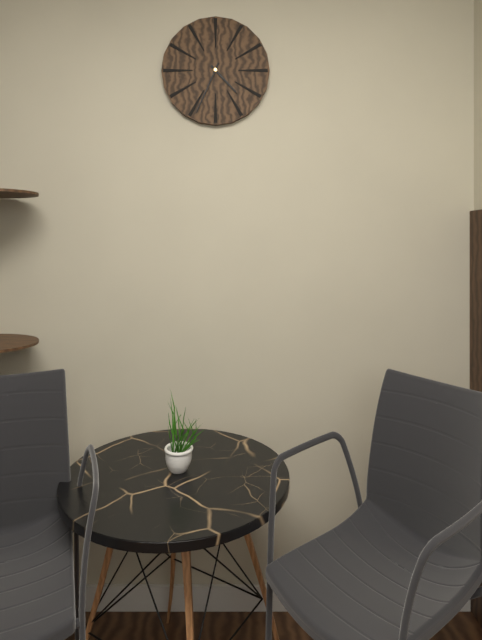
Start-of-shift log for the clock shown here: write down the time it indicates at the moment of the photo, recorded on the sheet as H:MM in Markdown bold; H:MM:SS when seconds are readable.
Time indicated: **4:34**
